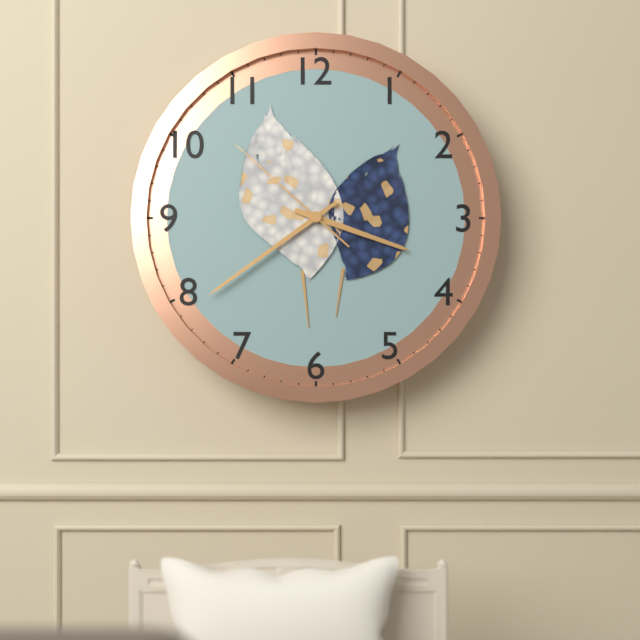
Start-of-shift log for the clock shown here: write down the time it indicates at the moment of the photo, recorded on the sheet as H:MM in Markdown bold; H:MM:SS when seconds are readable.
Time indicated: **3:39:52**
